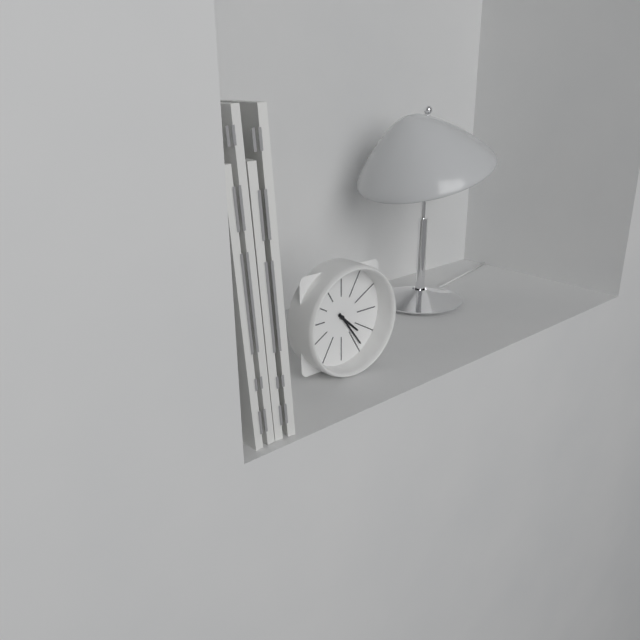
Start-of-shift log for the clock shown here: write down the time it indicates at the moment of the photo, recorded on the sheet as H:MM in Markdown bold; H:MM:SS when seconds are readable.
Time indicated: **4:24**
